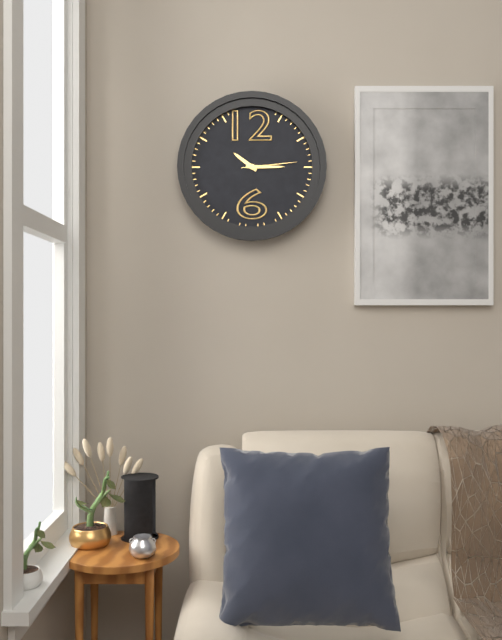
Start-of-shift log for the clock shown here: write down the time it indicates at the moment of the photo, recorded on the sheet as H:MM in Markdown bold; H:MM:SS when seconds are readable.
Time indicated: **10:15:14**
